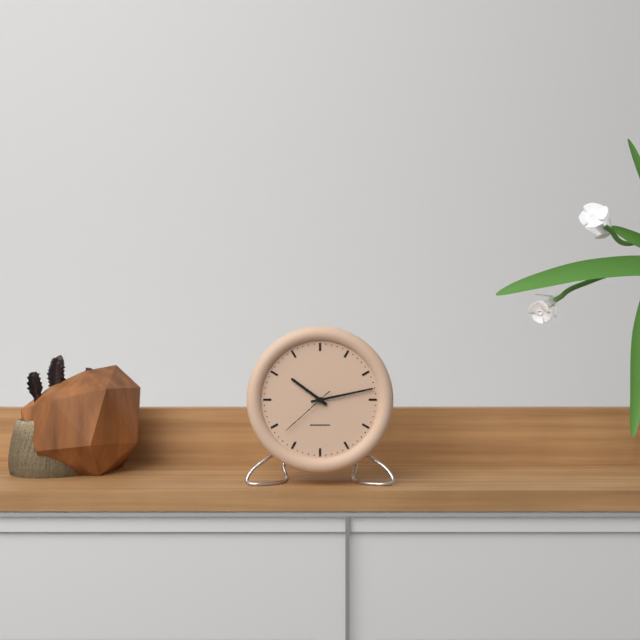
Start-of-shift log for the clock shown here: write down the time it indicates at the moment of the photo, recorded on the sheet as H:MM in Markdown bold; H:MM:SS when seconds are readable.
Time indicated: **10:13:38**
